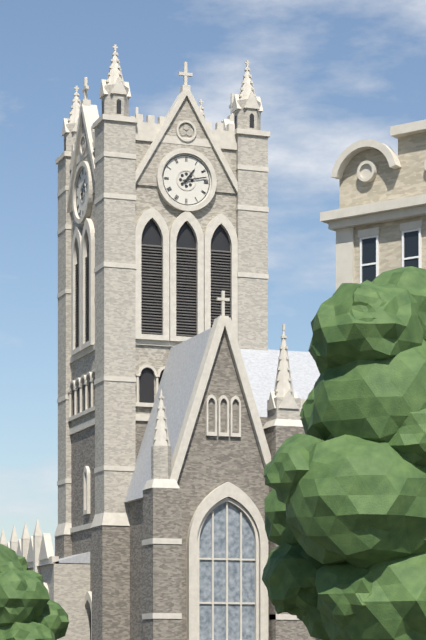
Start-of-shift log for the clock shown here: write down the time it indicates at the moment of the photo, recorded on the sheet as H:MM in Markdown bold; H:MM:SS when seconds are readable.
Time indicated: **1:13**
